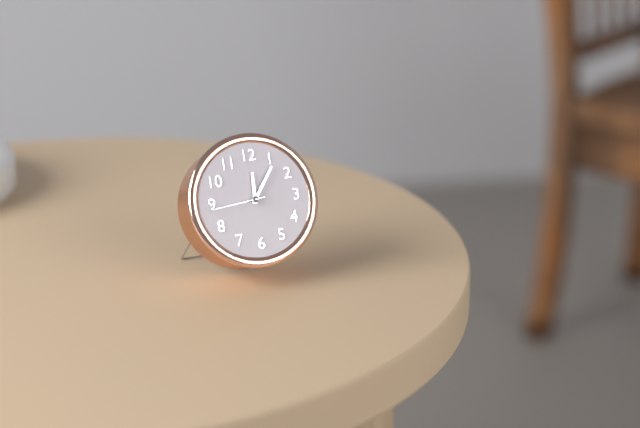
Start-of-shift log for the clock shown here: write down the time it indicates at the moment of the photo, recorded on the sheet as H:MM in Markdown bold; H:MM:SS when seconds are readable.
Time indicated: **12:06:44**
